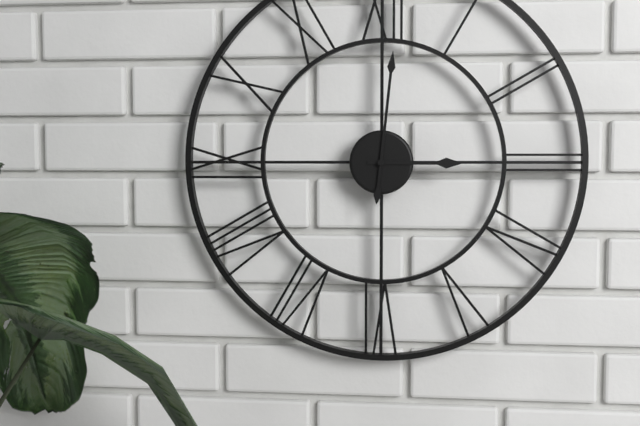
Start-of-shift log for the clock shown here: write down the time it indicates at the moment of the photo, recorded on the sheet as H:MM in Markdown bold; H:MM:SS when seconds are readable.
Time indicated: **3:01**
